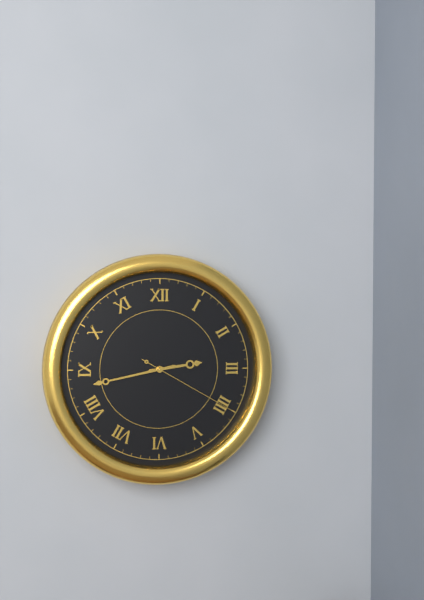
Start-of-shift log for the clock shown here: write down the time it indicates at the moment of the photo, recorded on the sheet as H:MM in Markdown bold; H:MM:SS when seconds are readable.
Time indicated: **2:43:20**
